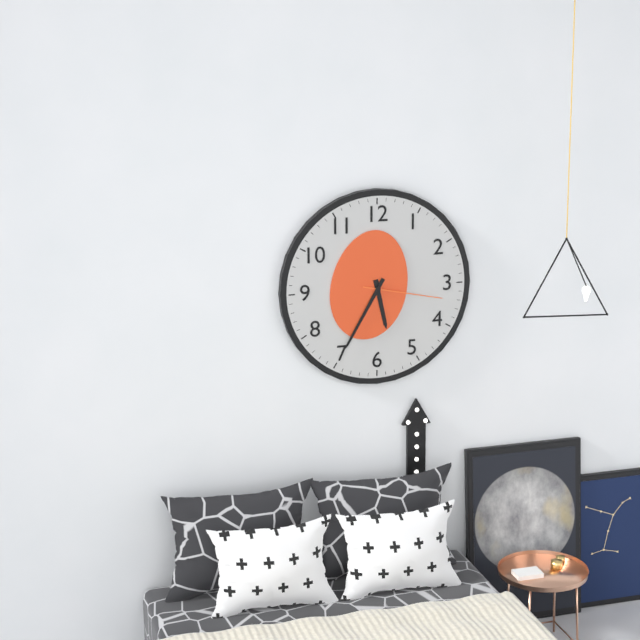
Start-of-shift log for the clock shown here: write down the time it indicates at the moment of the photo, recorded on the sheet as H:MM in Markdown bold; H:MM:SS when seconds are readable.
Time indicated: **5:35:17**
